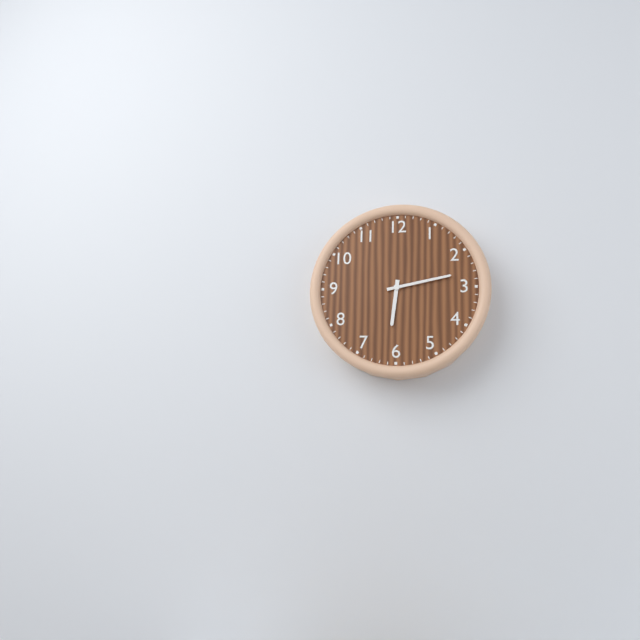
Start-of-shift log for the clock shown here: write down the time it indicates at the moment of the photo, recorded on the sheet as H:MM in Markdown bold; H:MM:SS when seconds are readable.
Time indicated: **6:13**
